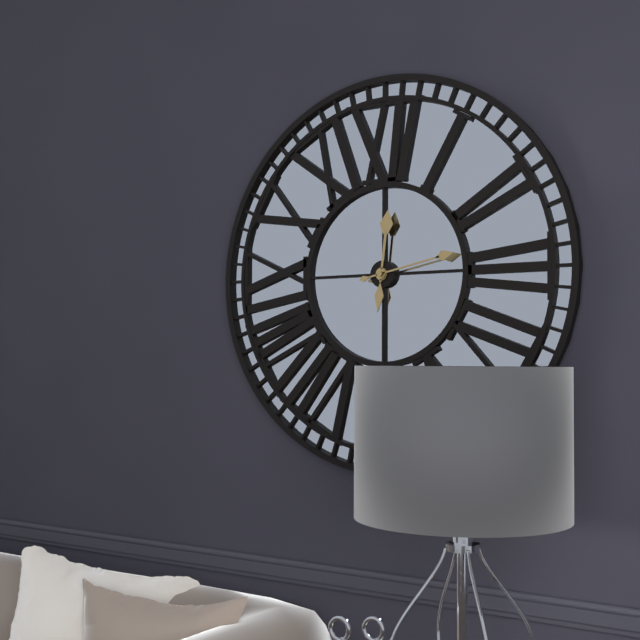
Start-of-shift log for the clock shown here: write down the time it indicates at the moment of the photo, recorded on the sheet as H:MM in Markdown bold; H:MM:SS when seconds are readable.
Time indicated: **12:13**
